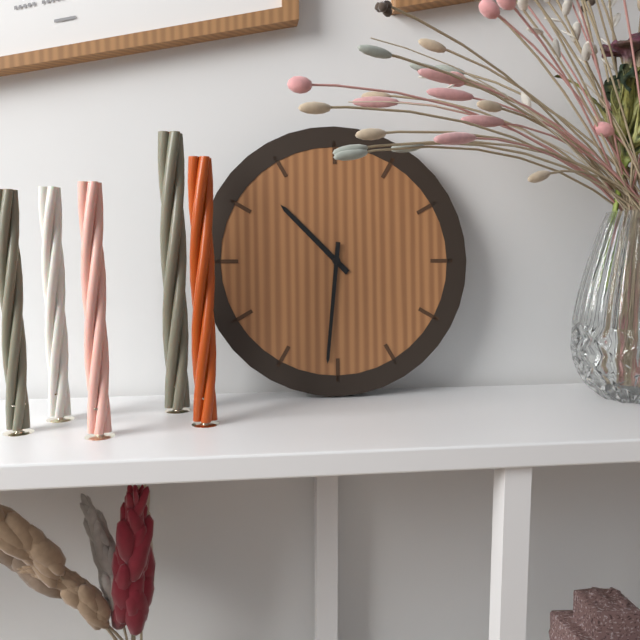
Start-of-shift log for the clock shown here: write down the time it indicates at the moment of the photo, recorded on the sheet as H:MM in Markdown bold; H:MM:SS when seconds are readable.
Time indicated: **10:31**
